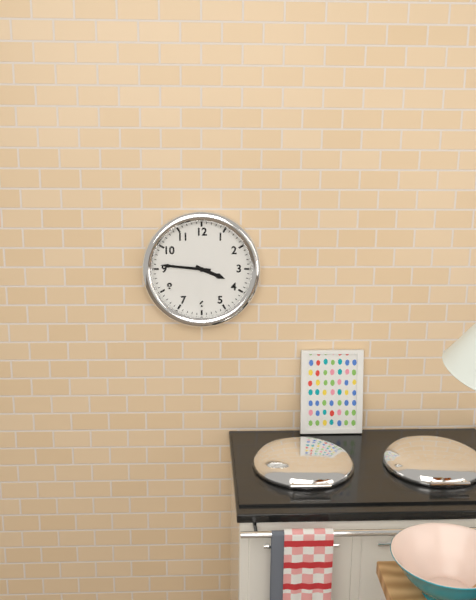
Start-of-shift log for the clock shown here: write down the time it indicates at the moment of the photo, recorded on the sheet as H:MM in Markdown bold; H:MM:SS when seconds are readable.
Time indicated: **3:46**
